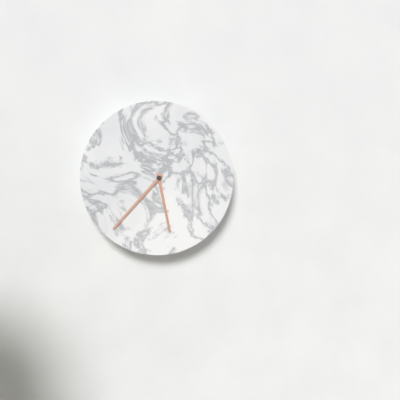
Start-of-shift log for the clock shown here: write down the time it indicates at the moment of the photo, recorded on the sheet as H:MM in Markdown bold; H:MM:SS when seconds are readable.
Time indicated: **5:37**
